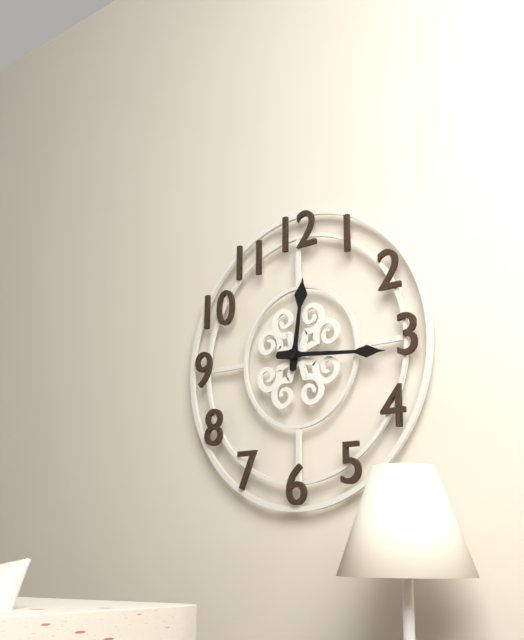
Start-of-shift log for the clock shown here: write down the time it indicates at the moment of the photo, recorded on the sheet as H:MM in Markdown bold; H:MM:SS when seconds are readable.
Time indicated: **12:16**
